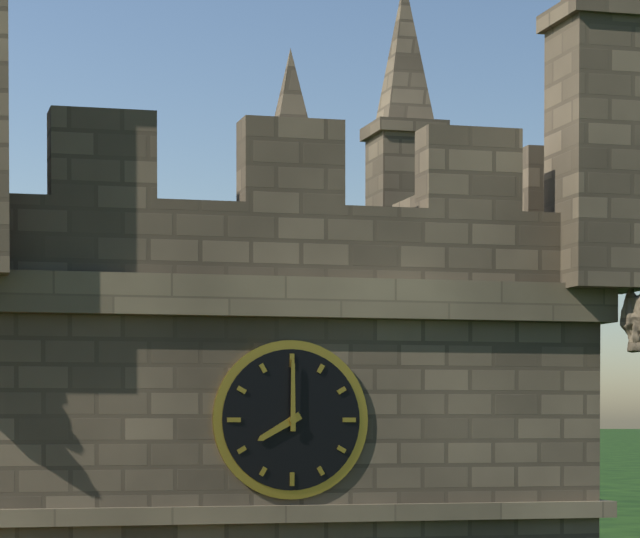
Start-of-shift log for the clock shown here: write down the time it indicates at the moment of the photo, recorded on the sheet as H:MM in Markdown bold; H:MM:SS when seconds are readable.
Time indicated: **8:00**
